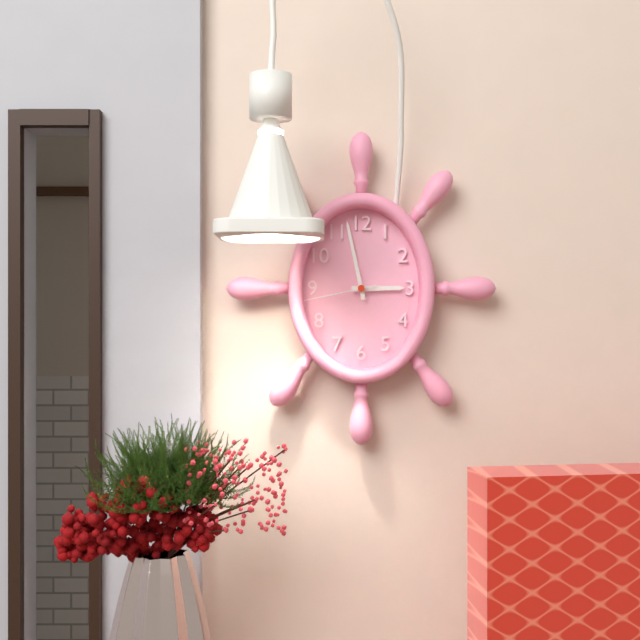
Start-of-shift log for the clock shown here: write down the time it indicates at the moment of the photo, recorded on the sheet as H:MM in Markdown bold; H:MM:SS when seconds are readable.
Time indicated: **2:58:43**
